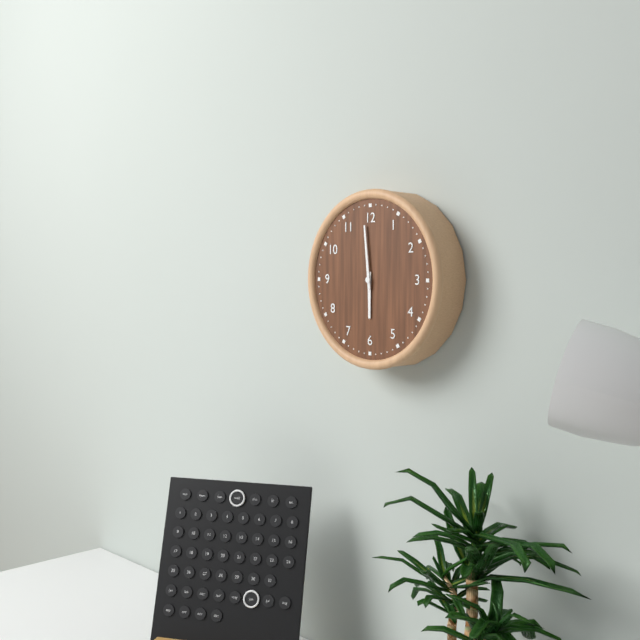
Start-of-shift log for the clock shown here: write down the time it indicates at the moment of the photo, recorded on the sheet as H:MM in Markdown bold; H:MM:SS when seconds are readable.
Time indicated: **5:59**
